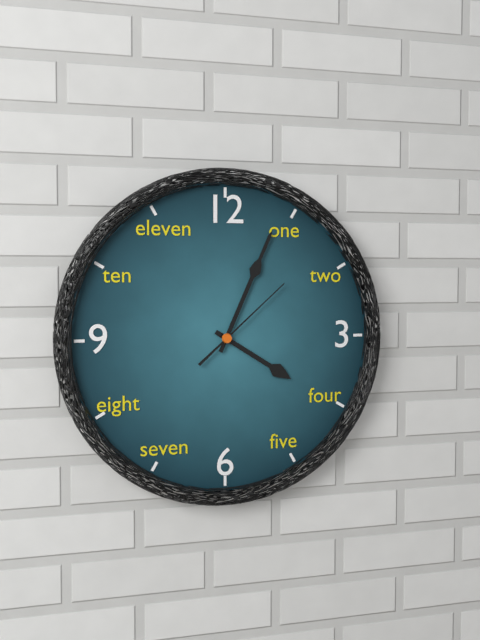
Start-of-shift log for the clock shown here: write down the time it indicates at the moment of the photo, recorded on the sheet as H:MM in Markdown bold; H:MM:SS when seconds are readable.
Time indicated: **4:04:08**
